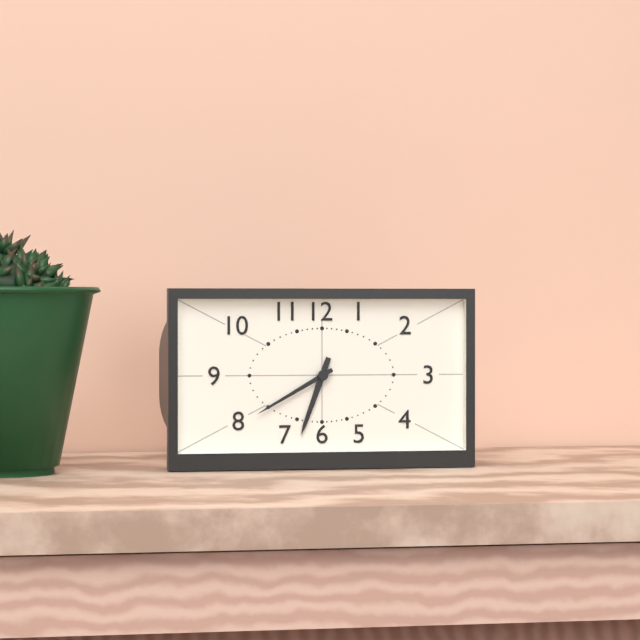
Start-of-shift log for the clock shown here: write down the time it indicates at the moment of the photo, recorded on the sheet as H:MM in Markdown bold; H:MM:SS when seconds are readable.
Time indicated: **6:40**
